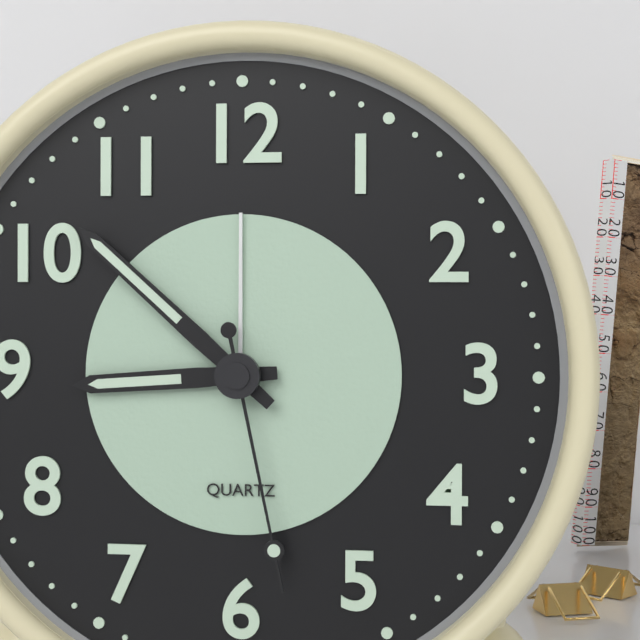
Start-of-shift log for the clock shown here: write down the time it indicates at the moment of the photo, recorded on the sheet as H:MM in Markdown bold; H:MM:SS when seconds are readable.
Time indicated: **8:52:28**
